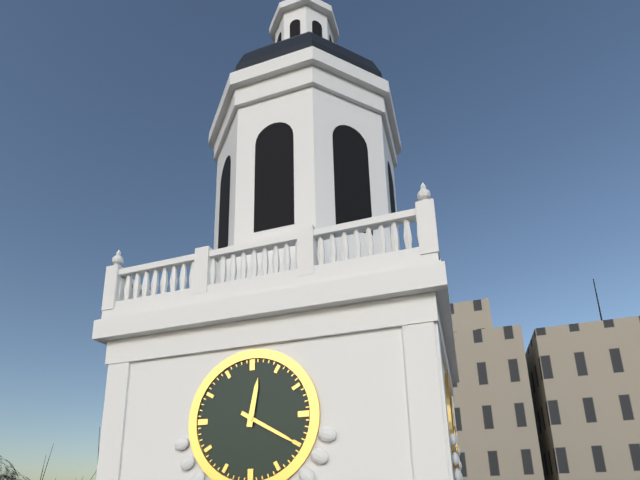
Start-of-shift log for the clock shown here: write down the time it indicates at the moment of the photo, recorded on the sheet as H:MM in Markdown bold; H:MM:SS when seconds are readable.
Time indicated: **12:20**
